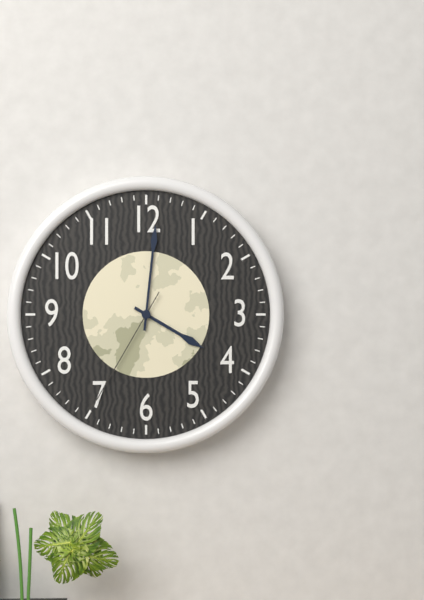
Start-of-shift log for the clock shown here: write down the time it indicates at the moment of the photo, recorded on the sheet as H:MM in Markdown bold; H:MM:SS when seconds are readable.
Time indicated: **4:01:35**
